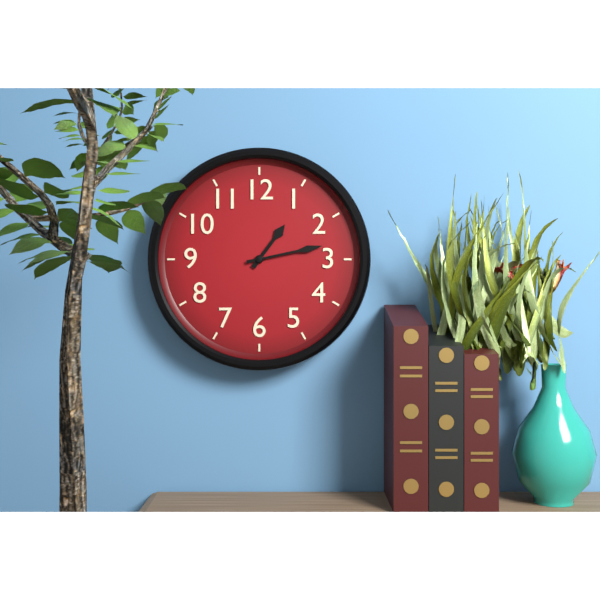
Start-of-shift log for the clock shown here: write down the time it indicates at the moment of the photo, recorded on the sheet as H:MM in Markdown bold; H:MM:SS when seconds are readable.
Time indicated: **1:13**
